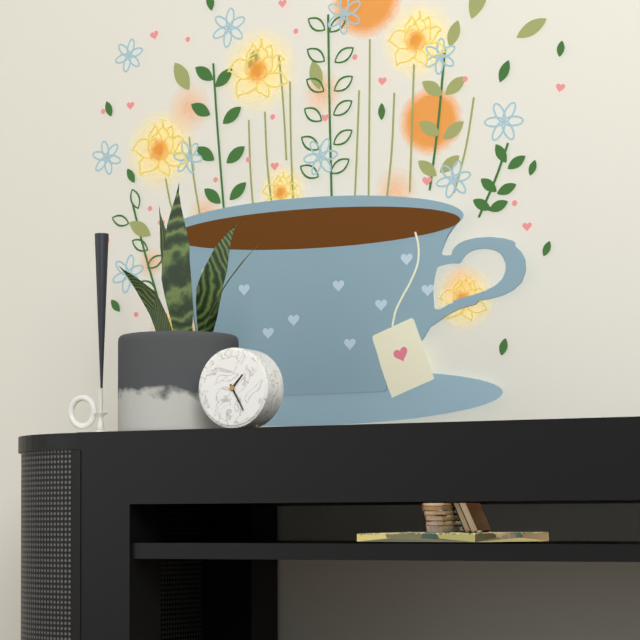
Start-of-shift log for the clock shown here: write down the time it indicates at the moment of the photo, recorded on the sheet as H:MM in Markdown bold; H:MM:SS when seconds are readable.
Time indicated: **1:25**
